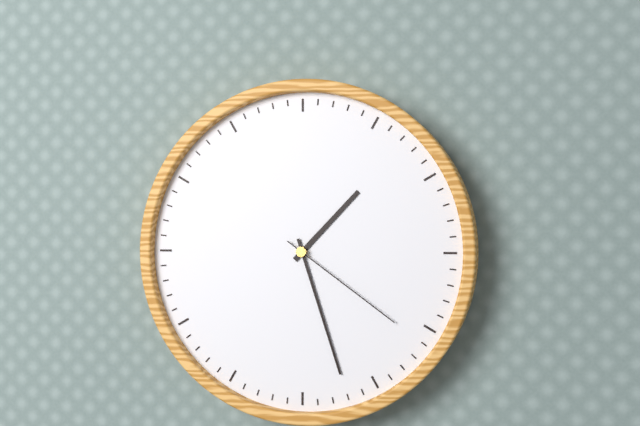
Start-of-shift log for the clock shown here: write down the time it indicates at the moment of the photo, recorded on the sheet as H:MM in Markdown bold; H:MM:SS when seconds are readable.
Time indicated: **1:27:21**
